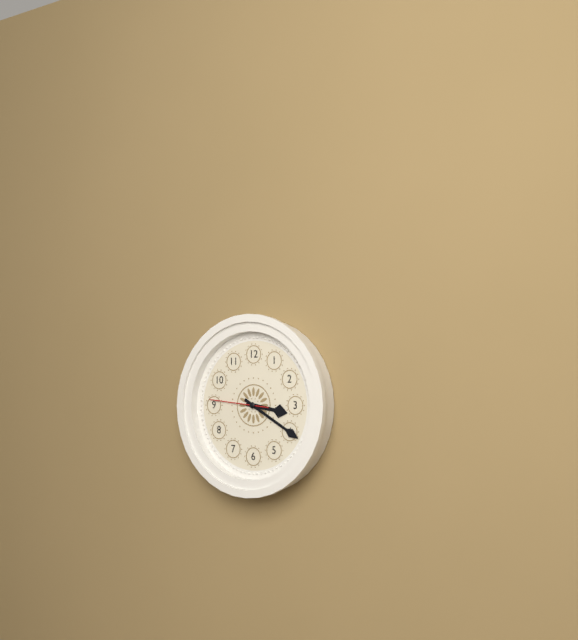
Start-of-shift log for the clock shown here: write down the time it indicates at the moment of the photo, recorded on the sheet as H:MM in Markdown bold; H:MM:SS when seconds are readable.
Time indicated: **3:20:46**
